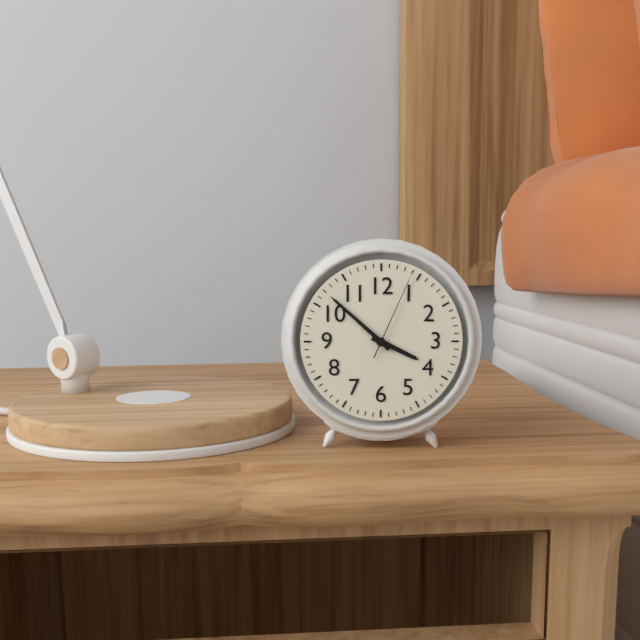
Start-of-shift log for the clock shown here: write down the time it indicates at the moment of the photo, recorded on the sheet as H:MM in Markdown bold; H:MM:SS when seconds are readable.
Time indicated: **3:52:04**
